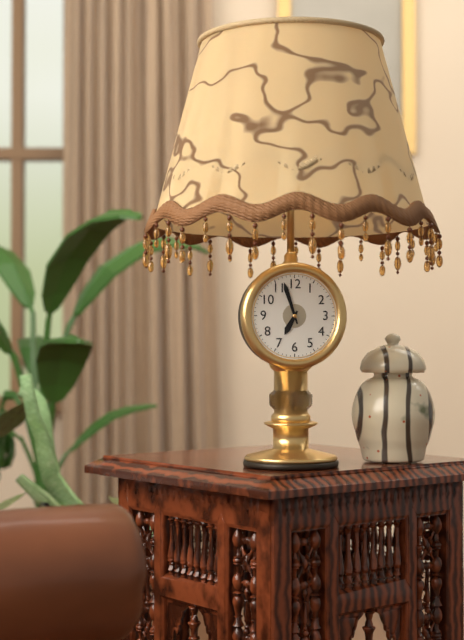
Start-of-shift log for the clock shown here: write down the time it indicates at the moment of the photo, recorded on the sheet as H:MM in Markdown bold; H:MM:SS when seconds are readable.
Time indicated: **6:57**
